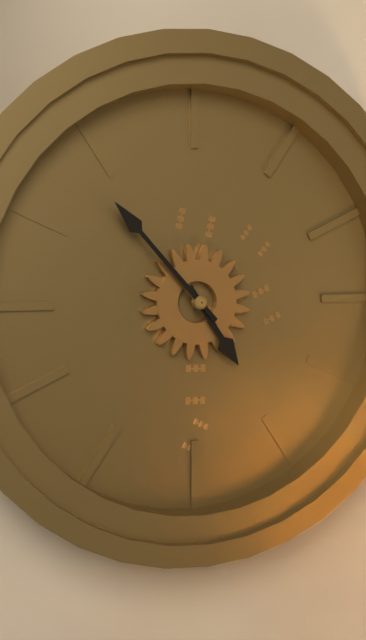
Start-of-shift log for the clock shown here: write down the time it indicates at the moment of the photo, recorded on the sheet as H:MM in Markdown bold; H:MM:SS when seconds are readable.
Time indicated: **4:53**
